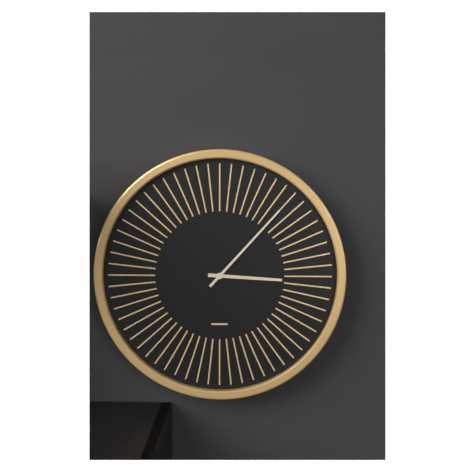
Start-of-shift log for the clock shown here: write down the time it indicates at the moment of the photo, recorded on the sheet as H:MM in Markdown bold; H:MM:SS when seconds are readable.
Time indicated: **3:07**
